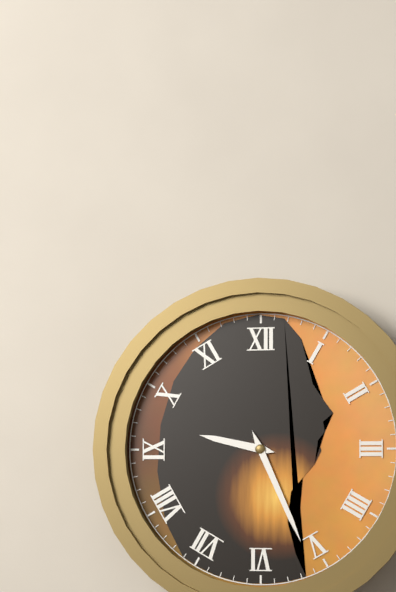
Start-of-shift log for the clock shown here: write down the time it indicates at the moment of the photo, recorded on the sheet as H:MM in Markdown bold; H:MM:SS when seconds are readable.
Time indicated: **9:26**
